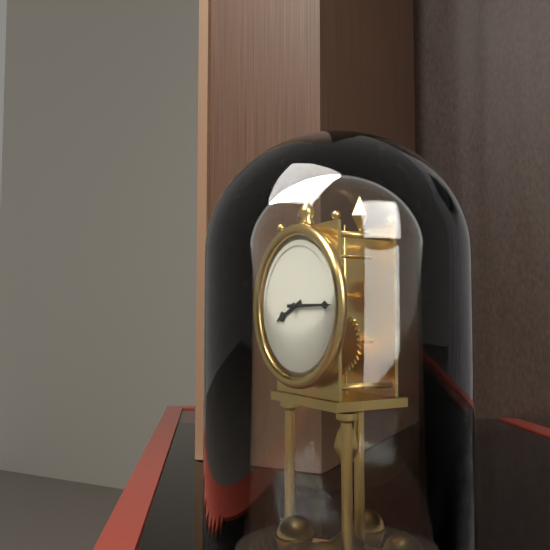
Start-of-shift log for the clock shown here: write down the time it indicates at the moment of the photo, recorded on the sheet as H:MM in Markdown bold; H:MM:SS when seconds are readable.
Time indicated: **8:15**
